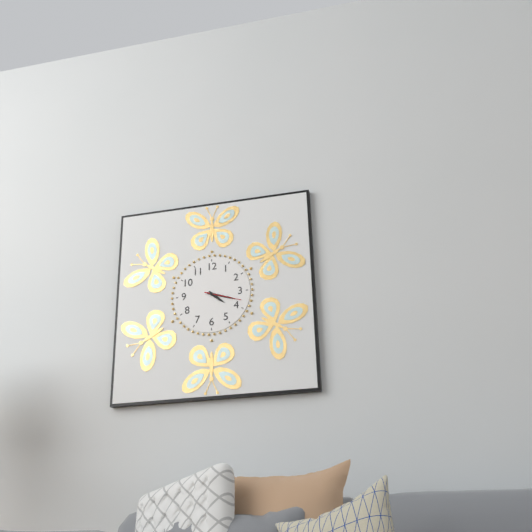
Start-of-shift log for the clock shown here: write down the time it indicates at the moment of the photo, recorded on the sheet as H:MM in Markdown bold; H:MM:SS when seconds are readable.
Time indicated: **4:18**
